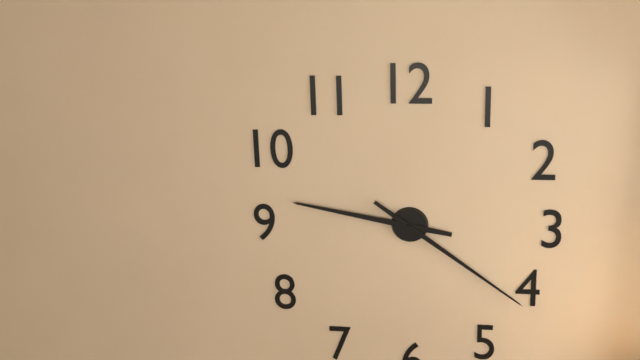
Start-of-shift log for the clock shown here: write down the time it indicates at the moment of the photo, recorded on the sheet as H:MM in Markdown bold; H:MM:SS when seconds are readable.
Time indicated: **9:21**
